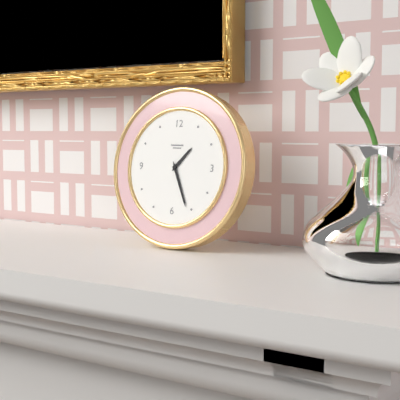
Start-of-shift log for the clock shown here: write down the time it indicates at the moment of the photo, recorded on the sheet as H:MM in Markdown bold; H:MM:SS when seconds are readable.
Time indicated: **1:26**
